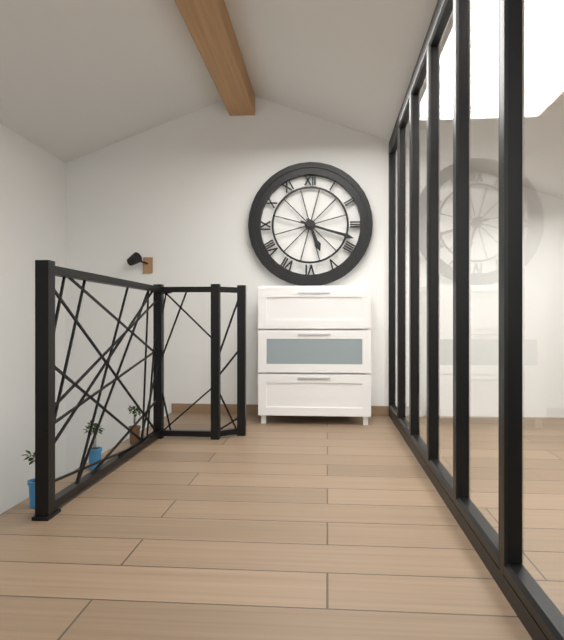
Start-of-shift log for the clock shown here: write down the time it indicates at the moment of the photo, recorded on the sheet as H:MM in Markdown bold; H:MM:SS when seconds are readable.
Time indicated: **5:18**
